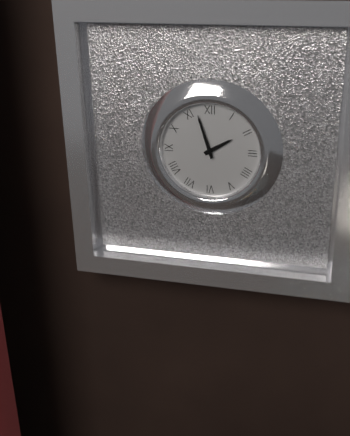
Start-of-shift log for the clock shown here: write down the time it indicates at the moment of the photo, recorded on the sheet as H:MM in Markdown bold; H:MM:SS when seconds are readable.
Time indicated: **1:57**
